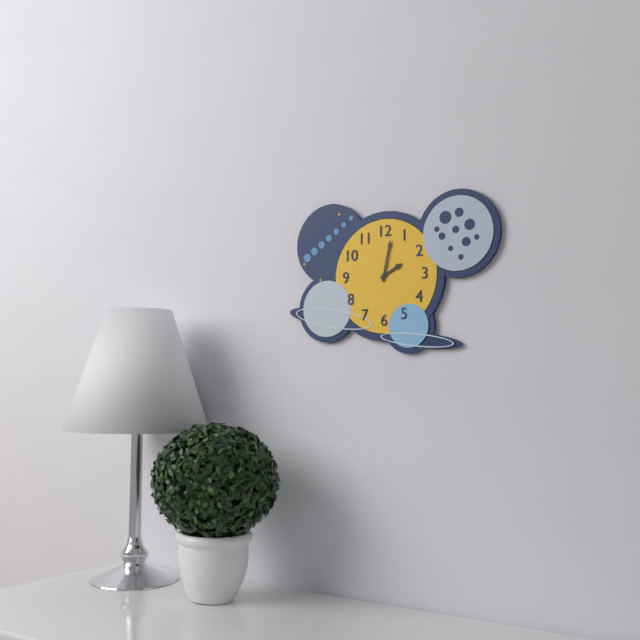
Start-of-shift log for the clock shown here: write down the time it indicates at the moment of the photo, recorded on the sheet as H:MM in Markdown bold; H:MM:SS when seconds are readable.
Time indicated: **2:02**
